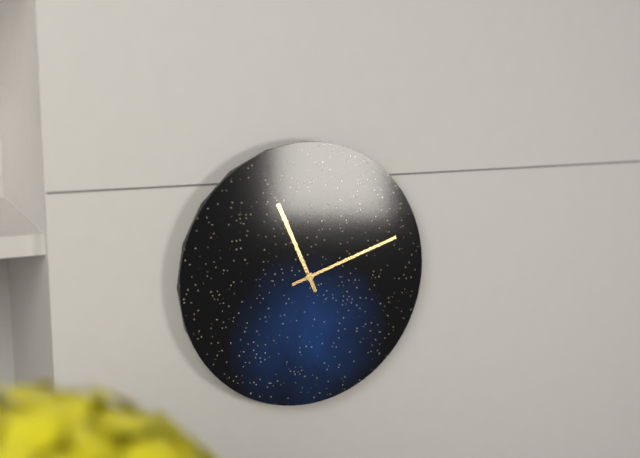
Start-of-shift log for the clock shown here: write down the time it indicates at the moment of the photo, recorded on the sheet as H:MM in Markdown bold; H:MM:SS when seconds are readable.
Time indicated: **11:12**
